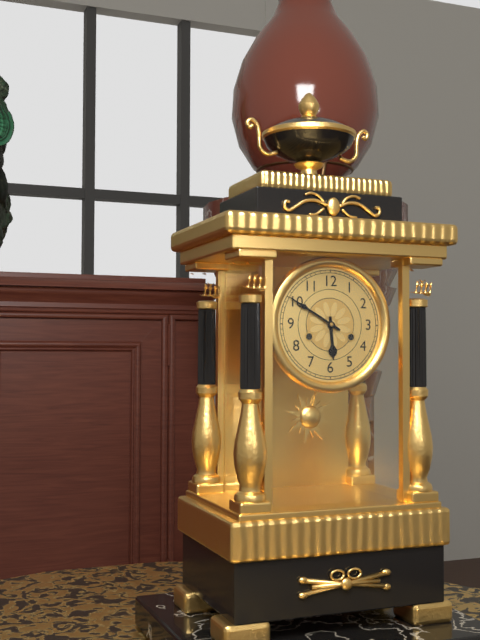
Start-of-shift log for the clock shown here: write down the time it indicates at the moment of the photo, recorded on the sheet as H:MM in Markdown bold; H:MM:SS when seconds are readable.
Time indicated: **5:50**
